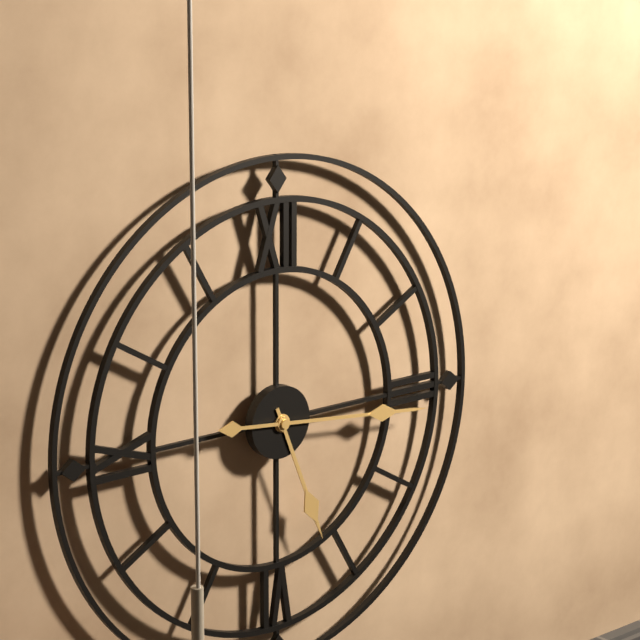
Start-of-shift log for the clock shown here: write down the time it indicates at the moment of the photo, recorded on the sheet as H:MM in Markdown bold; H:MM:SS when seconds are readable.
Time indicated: **5:16**
